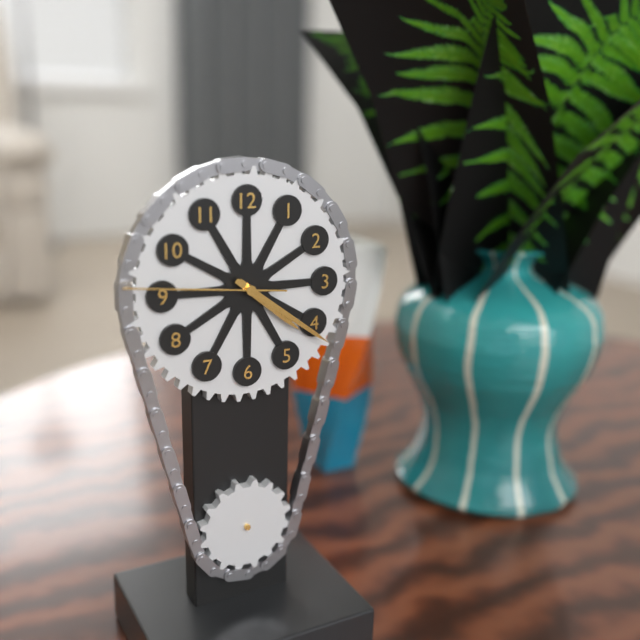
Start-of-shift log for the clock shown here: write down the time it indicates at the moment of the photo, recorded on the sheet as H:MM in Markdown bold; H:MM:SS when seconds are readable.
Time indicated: **4:21:46**
